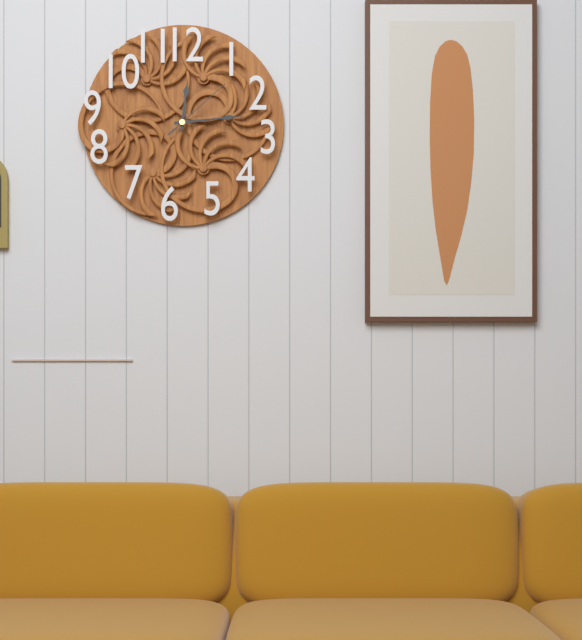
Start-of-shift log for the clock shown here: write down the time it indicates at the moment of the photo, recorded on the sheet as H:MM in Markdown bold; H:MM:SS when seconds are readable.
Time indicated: **12:14:08**
